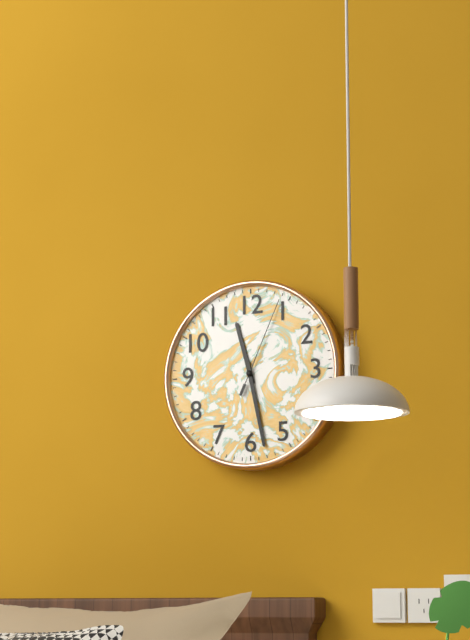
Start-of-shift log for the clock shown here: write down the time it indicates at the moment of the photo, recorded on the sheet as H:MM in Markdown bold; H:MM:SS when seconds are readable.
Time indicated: **11:28:04**
